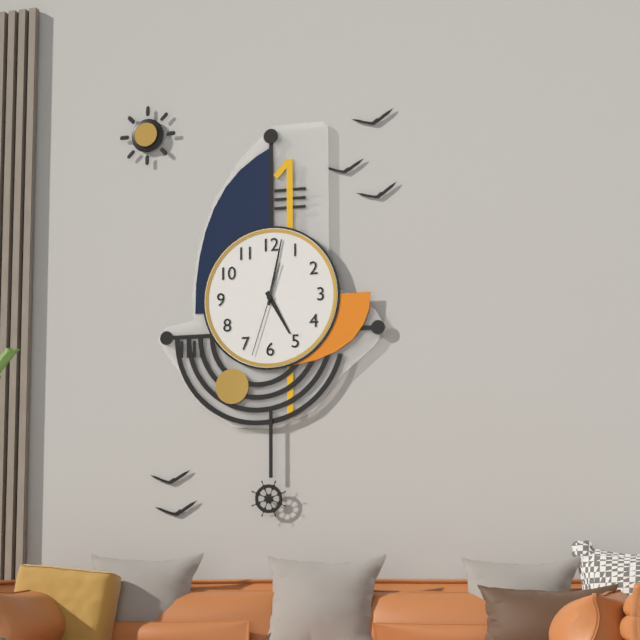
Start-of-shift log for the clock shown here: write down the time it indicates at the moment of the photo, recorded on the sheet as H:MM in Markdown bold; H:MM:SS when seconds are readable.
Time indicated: **5:02:33**
